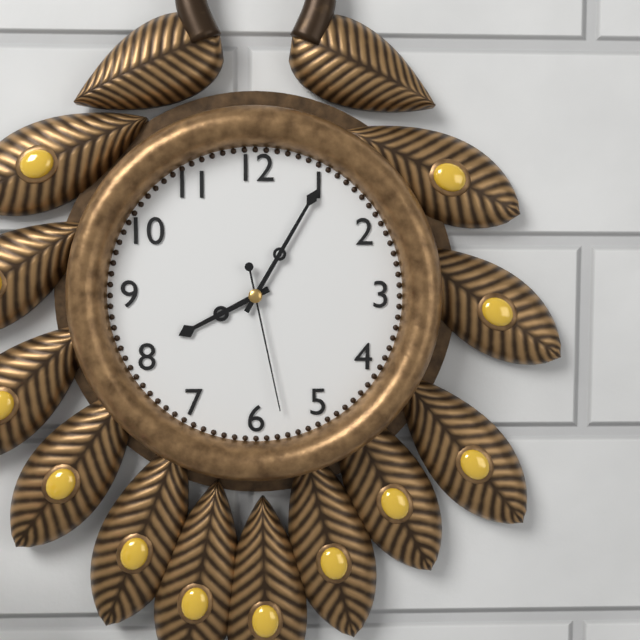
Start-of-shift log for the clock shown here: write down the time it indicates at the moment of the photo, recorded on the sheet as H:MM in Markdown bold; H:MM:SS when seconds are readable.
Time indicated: **8:05:28**
